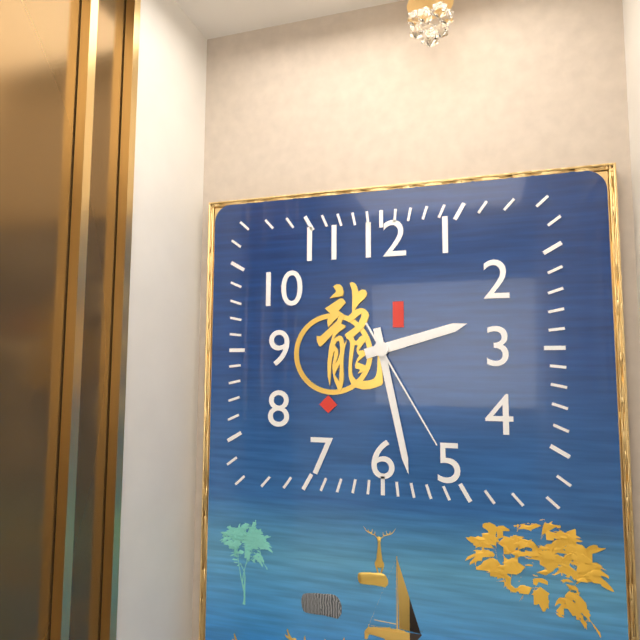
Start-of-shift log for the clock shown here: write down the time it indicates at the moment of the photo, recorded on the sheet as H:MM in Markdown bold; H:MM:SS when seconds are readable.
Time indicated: **2:28:25**
